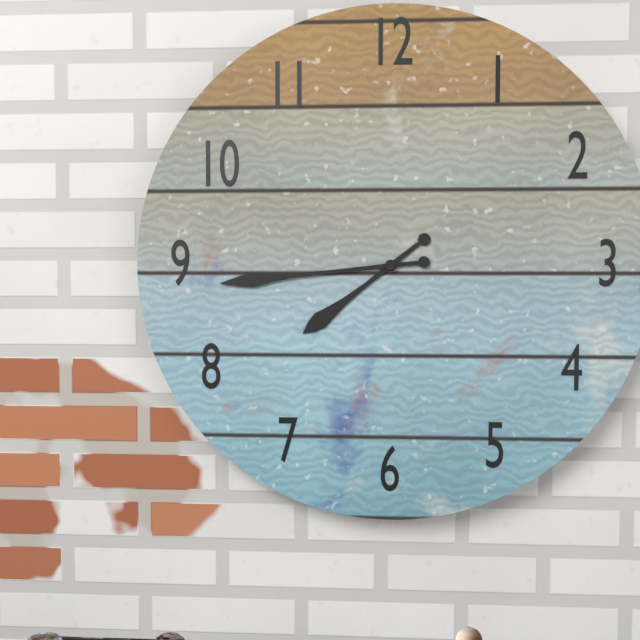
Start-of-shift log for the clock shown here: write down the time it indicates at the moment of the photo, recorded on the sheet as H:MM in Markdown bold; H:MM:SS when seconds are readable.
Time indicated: **7:44**
